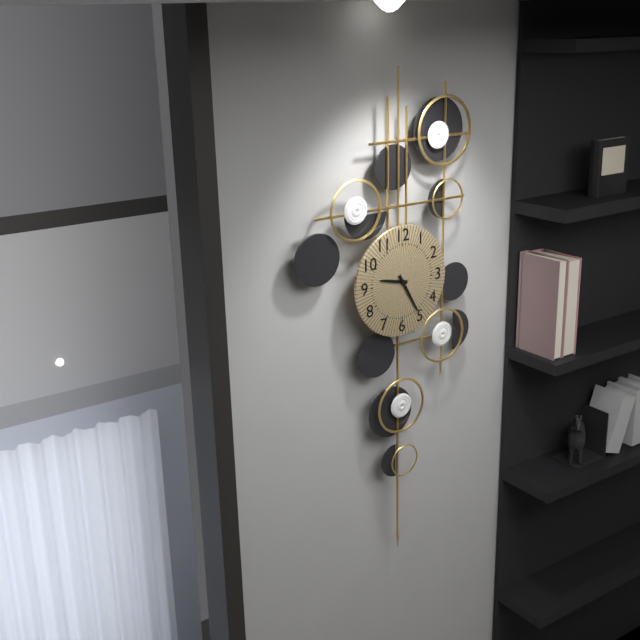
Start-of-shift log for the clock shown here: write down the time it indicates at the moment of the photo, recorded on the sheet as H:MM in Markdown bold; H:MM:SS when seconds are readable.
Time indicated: **9:25**
